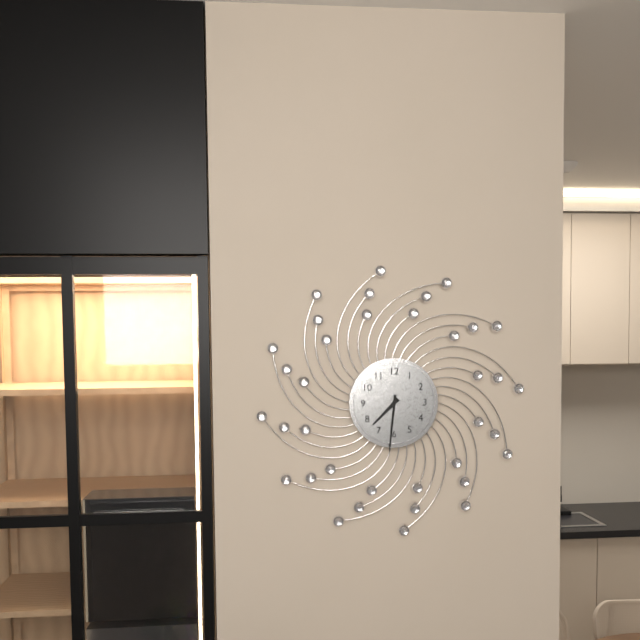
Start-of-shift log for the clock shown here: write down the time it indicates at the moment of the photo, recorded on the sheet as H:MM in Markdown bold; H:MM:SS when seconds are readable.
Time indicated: **7:31**
